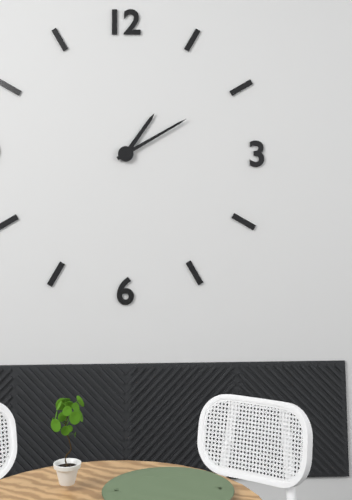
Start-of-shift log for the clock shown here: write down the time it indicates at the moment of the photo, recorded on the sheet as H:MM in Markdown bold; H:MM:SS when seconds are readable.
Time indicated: **1:10**
